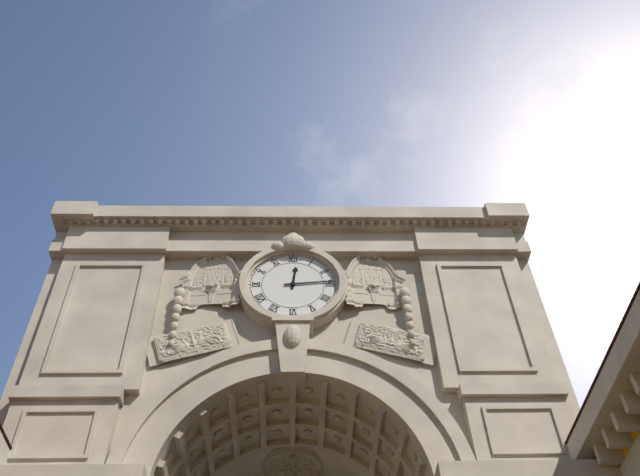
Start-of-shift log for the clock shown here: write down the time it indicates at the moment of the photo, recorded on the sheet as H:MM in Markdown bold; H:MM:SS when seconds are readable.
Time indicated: **12:14**
